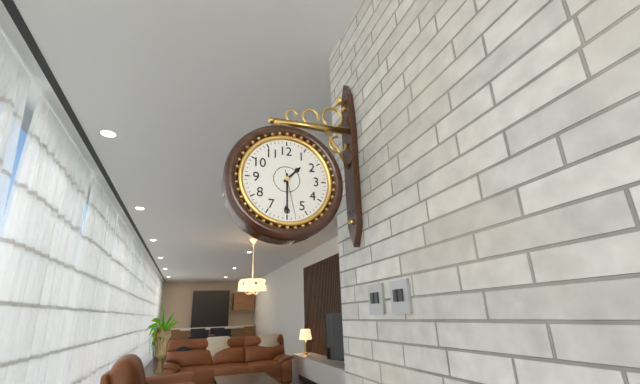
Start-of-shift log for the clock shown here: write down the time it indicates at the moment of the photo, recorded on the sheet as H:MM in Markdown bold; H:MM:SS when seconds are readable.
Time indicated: **1:30**
